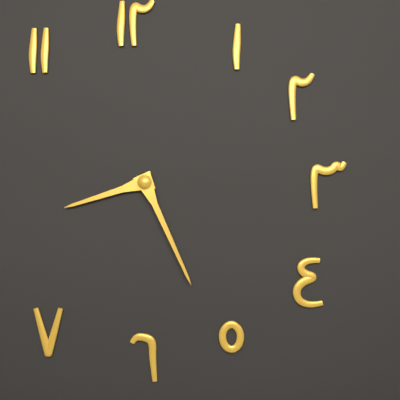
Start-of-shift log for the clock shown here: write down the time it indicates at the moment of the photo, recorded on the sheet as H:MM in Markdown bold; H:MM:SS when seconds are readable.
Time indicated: **8:26**
